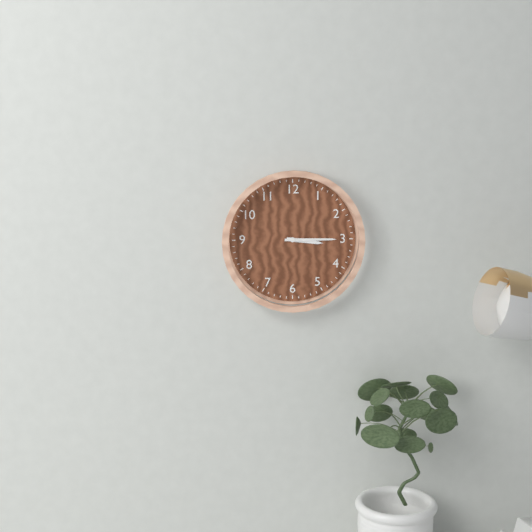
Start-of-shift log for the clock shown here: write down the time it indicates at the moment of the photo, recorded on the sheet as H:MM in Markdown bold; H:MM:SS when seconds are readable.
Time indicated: **3:15**
